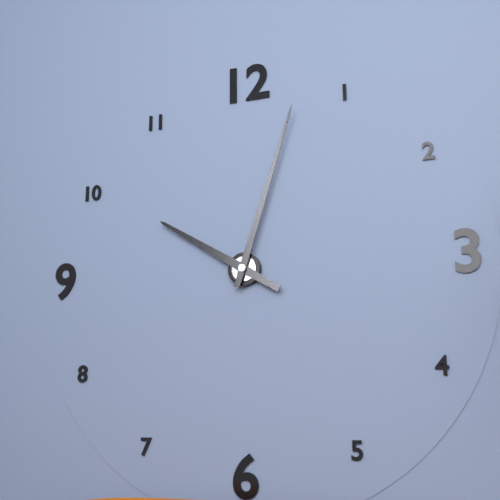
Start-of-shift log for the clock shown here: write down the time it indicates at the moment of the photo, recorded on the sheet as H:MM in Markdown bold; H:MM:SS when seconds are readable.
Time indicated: **10:03**
